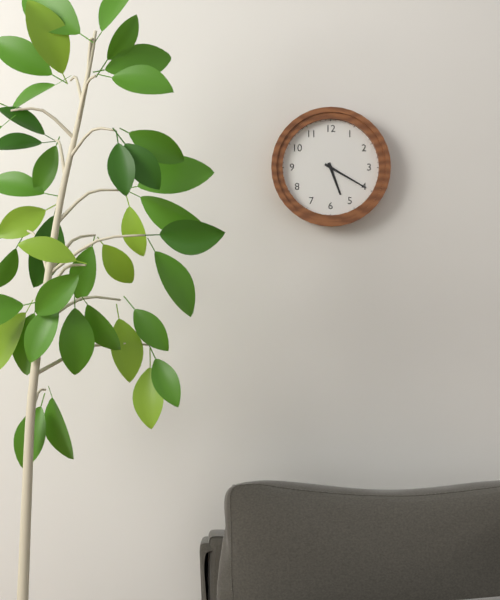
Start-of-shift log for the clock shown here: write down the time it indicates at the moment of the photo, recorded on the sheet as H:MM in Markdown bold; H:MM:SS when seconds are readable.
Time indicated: **5:20**
